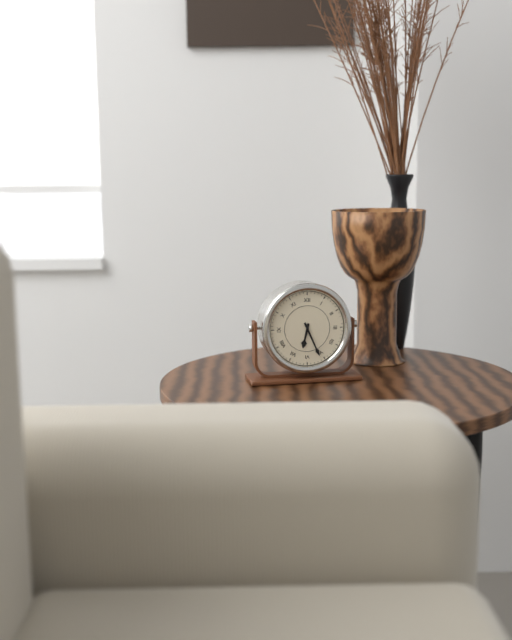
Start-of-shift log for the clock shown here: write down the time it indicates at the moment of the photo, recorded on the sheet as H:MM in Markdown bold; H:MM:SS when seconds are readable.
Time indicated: **6:26**
